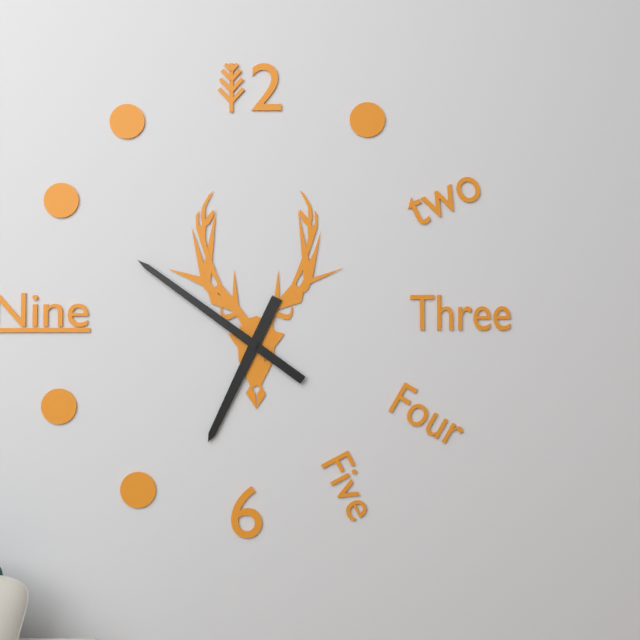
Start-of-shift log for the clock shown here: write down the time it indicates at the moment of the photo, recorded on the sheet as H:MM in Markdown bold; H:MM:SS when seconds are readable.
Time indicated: **6:51**
